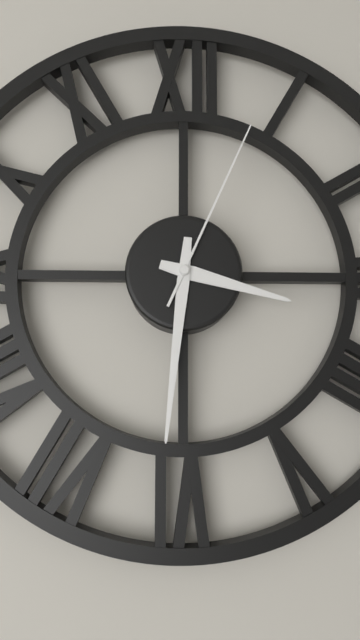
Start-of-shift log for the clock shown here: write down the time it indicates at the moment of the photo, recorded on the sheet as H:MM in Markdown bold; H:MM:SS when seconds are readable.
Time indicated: **3:31:04**
